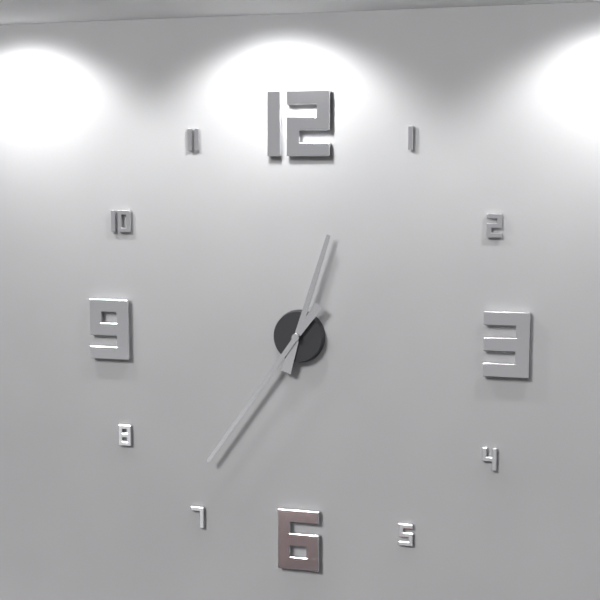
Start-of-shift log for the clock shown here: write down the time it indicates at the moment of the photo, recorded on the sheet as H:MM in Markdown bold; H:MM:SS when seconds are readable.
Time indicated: **12:36**
